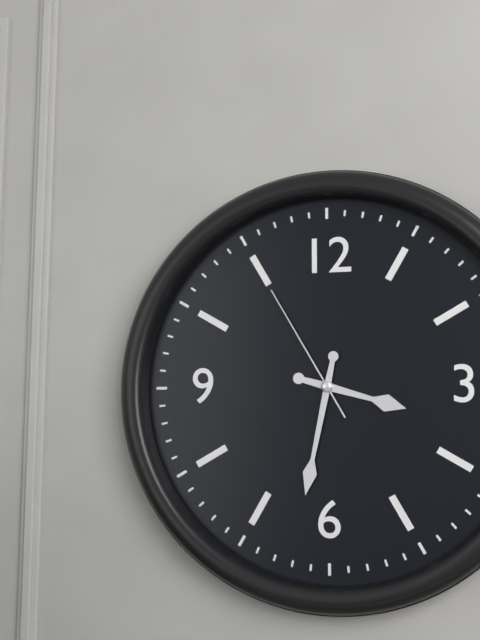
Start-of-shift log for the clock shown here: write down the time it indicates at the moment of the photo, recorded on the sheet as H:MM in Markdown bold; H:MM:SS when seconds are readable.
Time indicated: **3:32:55**
